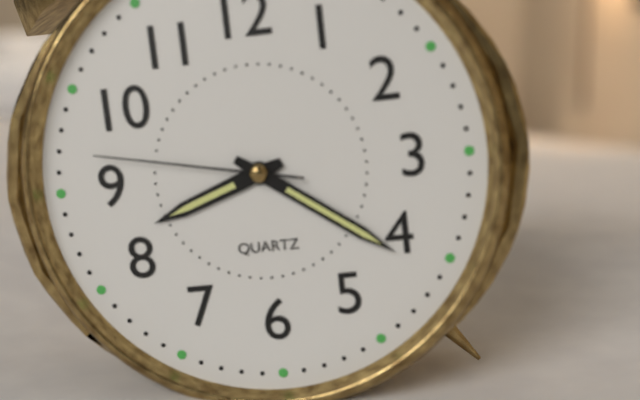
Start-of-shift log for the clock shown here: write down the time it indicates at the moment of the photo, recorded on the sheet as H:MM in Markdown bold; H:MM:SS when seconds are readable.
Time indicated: **8:21:47**
